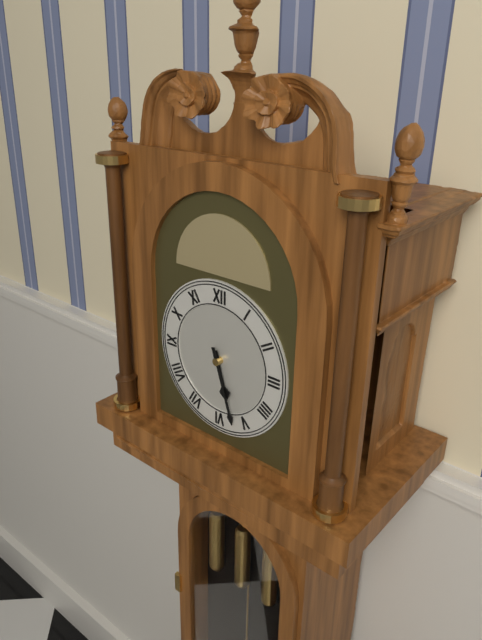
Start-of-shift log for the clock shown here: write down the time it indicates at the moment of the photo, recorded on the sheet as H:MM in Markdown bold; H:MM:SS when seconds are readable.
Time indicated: **5:27**
